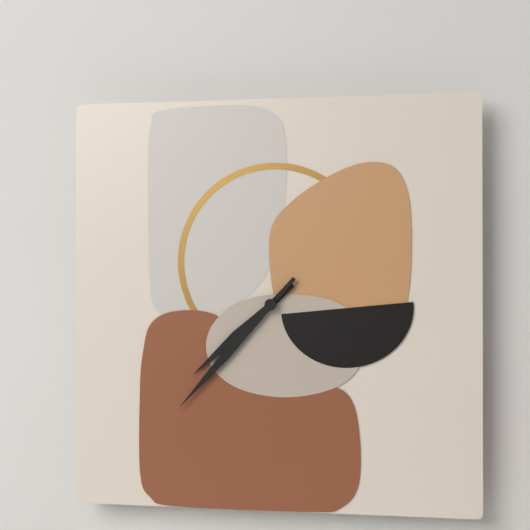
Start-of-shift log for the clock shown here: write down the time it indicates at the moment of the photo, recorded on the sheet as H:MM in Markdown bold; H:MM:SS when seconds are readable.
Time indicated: **7:37**
